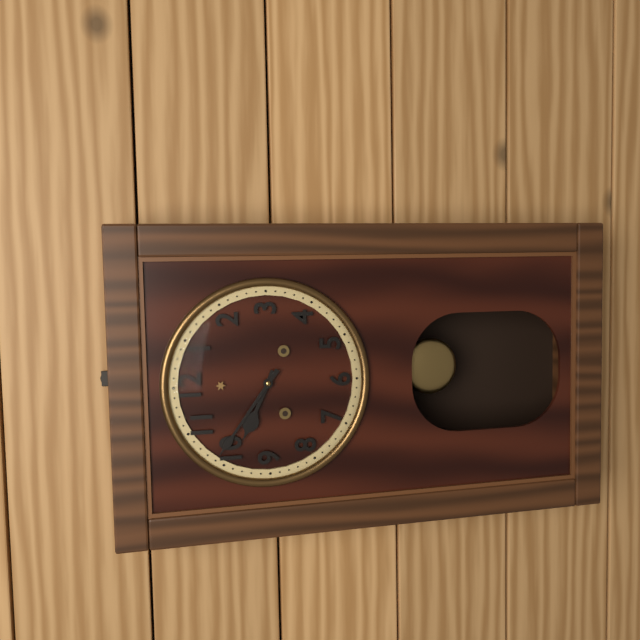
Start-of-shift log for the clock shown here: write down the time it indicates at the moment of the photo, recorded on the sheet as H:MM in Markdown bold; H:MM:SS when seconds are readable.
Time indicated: **9:51**
